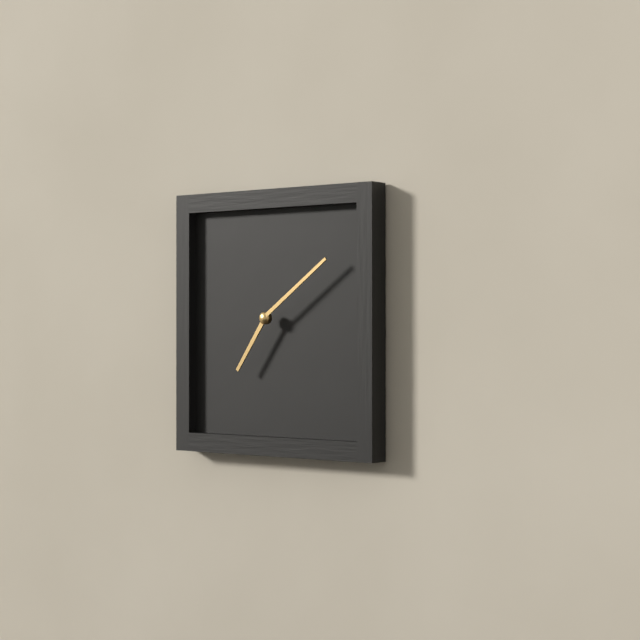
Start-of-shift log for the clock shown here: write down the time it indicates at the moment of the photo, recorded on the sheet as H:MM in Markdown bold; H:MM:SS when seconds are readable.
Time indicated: **7:09**
